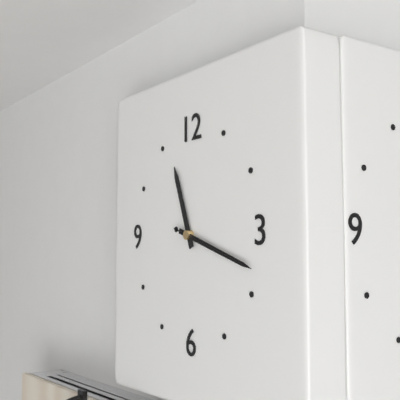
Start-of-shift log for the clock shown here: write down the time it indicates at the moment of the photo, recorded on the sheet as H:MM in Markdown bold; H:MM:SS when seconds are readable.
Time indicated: **11:18:18**
